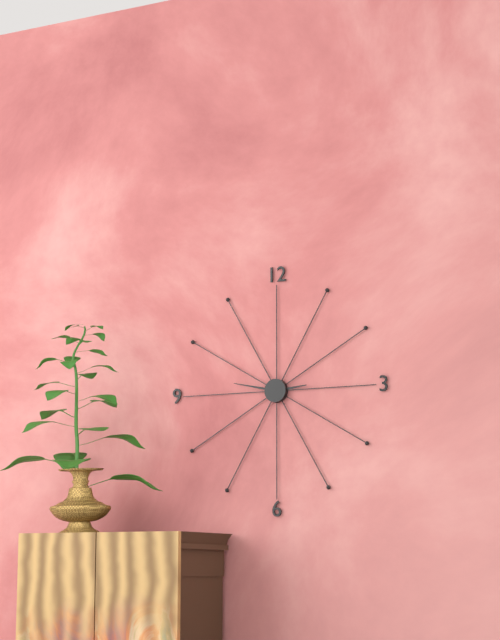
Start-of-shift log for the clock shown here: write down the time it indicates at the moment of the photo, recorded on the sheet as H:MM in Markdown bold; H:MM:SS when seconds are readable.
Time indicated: **2:47**
